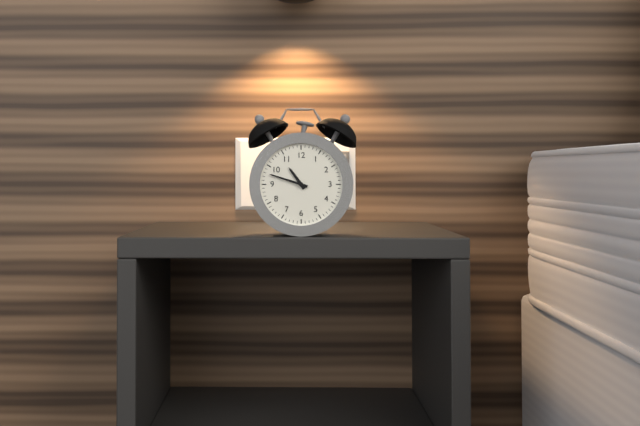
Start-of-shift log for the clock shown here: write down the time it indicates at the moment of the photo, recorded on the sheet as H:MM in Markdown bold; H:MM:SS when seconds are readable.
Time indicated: **10:48**
